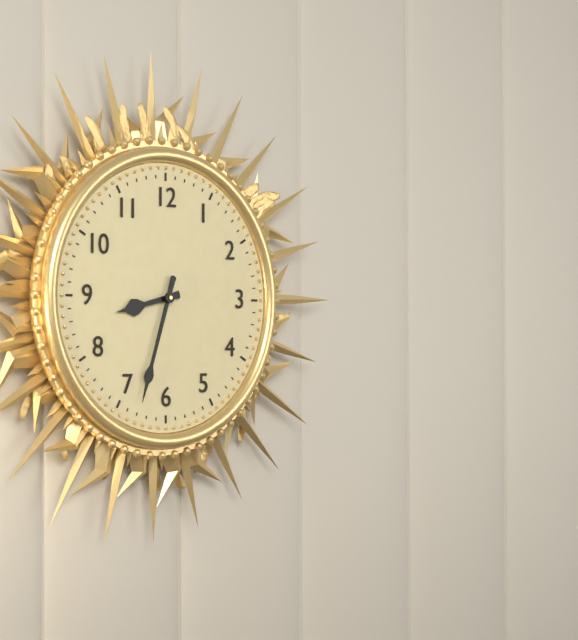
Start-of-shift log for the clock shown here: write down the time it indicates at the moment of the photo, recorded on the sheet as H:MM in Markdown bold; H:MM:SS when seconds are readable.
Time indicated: **8:33**
